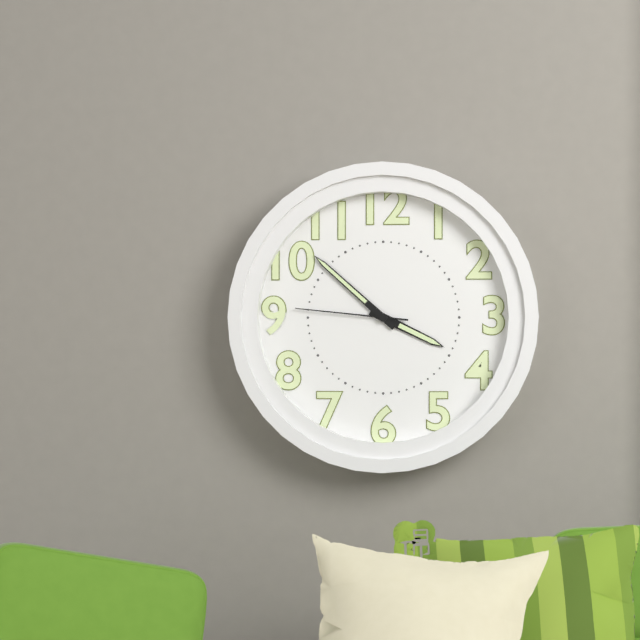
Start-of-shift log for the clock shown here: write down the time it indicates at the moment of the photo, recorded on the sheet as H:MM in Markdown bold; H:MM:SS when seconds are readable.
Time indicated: **3:52:46**
